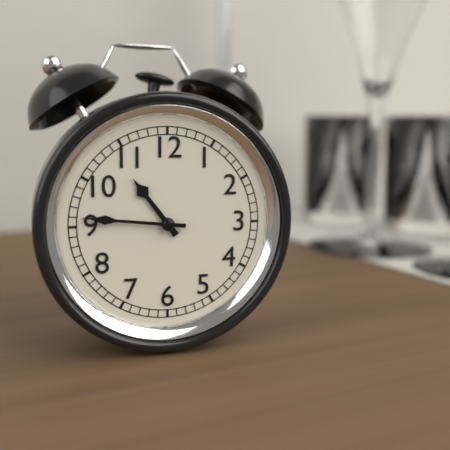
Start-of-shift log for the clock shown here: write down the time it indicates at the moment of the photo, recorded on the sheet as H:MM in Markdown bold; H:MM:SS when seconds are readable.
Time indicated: **10:46**
